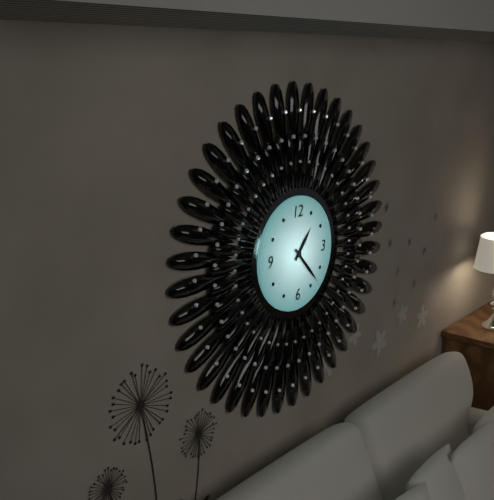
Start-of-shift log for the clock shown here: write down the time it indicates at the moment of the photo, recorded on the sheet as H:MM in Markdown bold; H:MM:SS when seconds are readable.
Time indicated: **1:23**
